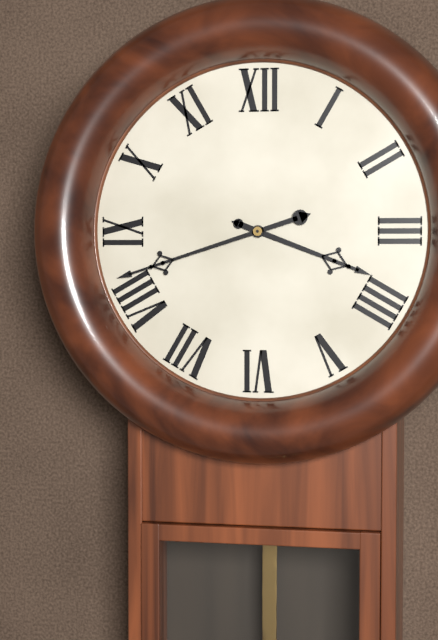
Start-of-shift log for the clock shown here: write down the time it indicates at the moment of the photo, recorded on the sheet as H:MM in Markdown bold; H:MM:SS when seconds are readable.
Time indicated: **3:42**
